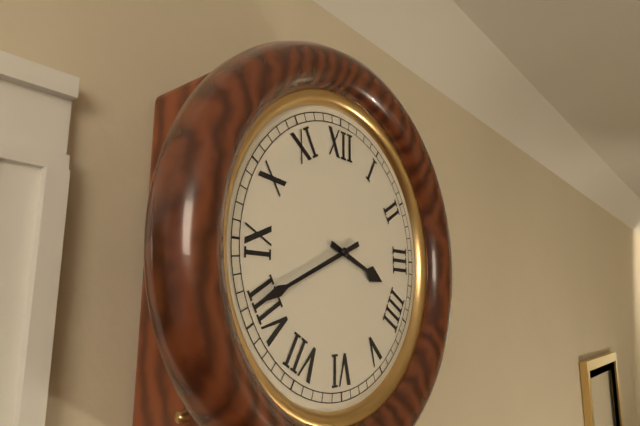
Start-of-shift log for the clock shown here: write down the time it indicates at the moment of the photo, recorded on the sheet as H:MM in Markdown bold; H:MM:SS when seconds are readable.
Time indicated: **3:41**
